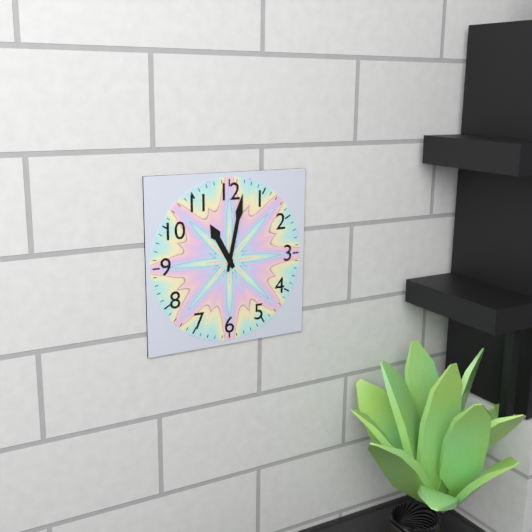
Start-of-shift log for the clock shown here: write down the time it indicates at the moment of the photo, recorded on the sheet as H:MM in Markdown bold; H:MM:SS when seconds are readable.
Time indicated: **11:02**
